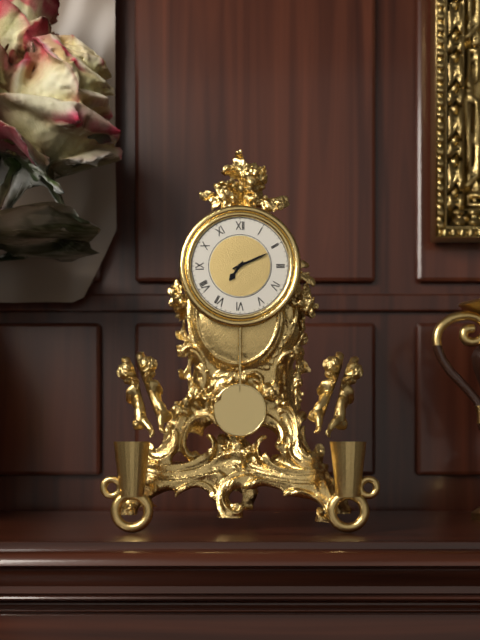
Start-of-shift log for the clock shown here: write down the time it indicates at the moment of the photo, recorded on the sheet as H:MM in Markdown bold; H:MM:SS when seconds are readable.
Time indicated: **7:11**
